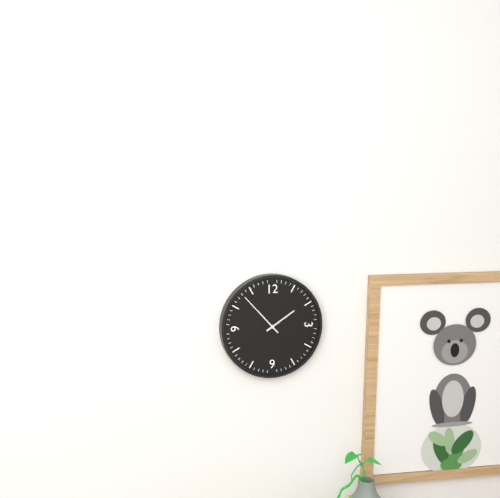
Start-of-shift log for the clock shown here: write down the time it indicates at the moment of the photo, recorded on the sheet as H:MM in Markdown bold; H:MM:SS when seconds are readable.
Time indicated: **1:53**
